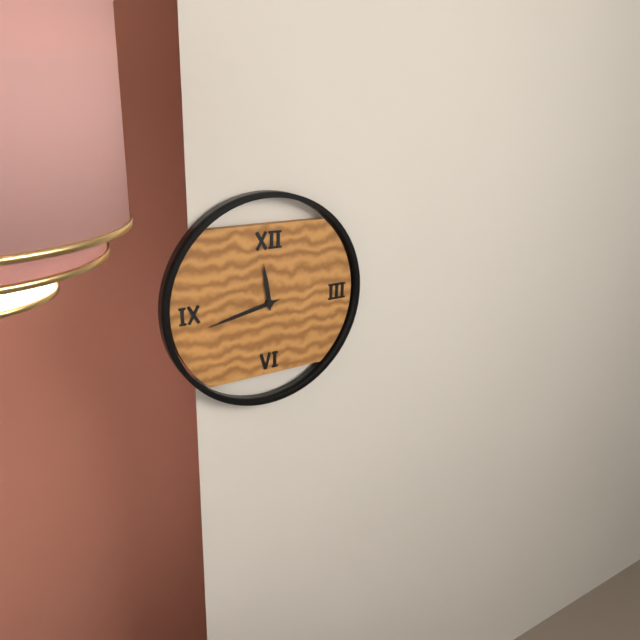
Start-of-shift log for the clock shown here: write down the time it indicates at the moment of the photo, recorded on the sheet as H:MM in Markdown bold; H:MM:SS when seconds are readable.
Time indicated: **11:43**
